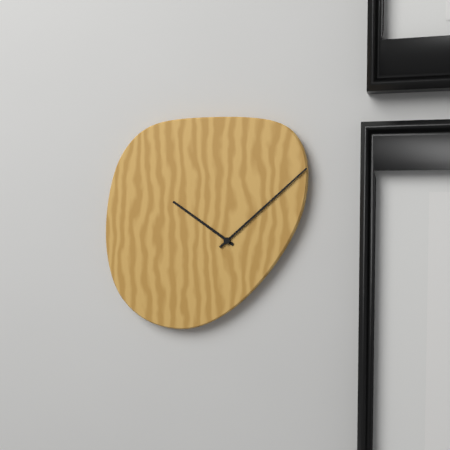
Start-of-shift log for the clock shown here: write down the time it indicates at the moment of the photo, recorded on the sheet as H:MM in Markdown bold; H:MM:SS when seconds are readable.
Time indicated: **10:08**
